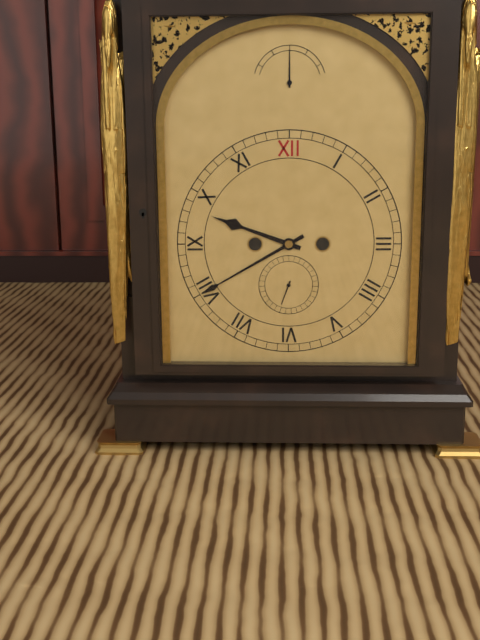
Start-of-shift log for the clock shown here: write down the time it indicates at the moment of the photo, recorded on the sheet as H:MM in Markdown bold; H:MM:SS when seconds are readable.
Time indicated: **9:40**
